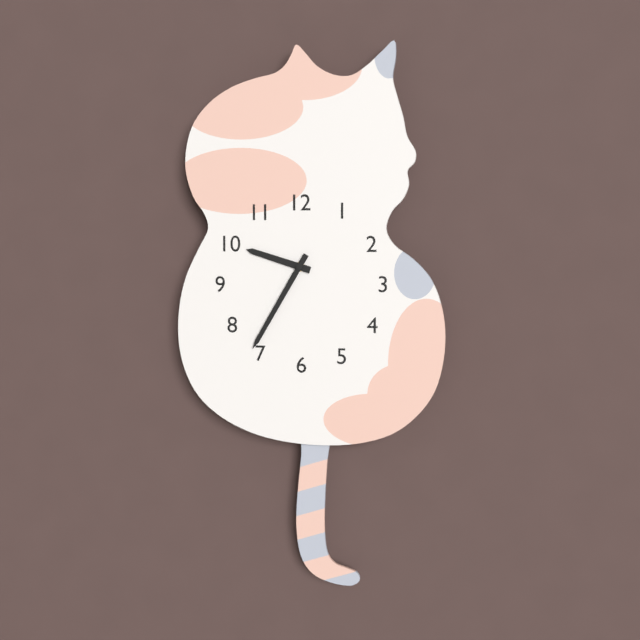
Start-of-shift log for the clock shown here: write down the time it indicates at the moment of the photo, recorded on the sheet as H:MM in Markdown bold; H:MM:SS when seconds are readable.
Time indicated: **9:35**
